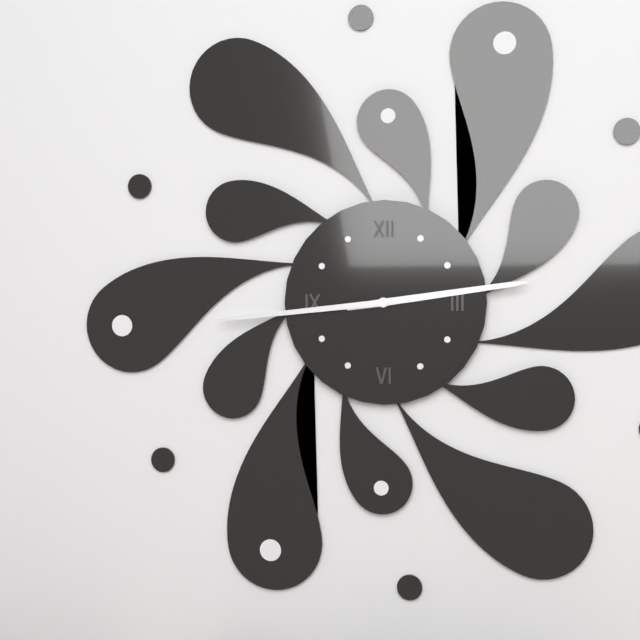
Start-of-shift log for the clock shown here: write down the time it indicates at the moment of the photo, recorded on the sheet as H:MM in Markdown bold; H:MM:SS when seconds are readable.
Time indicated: **2:44**
